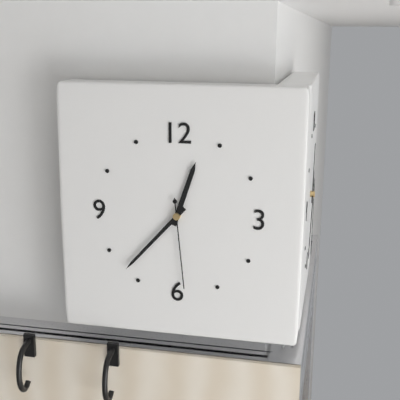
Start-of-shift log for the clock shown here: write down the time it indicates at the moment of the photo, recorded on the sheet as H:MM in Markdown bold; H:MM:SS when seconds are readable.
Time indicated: **12:37:29**
